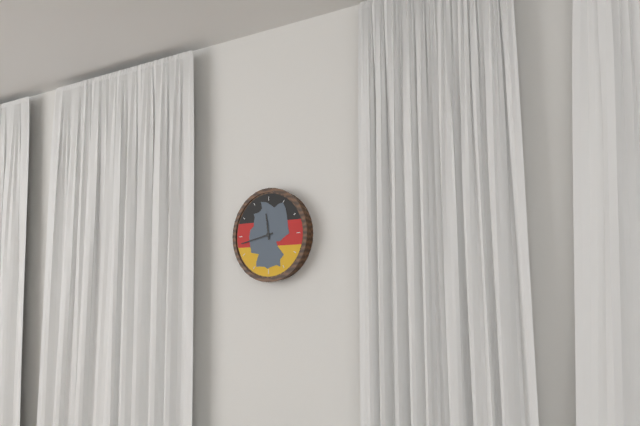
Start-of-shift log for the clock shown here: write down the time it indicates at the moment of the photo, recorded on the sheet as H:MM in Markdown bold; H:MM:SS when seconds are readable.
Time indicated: **11:43**
